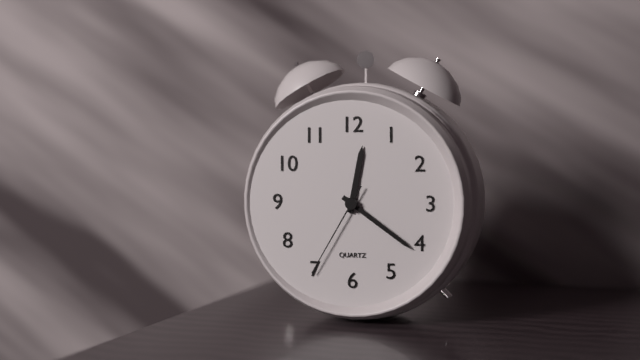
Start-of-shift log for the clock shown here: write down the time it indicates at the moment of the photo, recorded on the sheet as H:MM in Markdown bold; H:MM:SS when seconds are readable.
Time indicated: **12:21:35**
